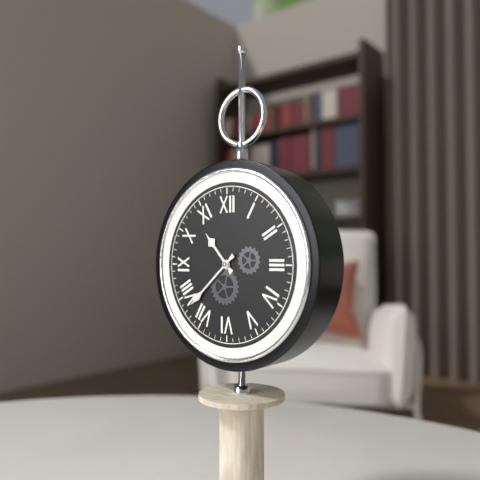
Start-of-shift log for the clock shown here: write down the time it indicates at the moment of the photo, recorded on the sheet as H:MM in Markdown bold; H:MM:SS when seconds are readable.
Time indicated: **10:38**
